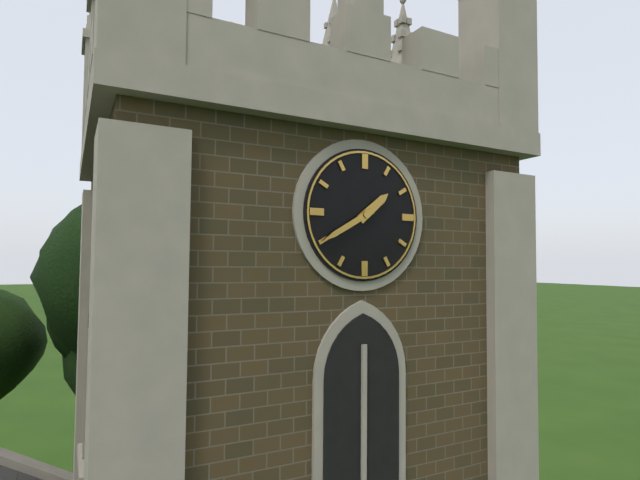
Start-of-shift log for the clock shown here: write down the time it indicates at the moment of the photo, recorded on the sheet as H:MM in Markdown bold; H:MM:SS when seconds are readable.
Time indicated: **1:40**
